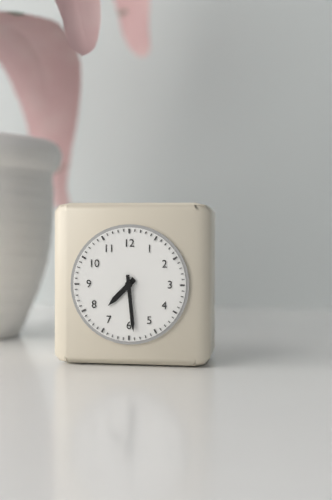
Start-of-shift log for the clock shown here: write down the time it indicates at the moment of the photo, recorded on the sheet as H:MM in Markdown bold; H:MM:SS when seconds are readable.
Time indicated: **7:29**
